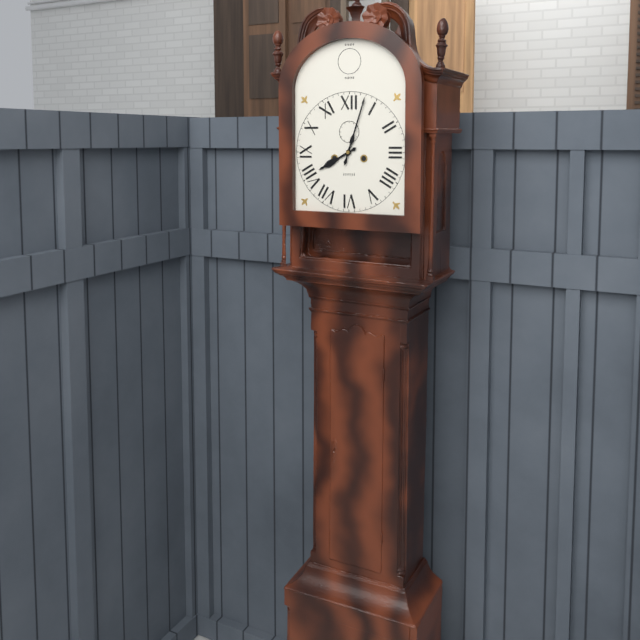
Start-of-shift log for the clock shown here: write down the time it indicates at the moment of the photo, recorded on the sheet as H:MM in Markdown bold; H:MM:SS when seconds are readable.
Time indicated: **8:03**
